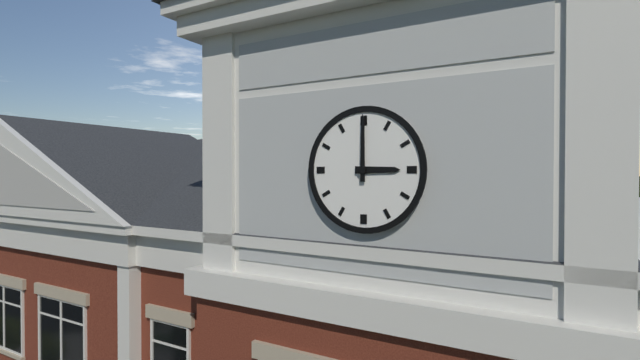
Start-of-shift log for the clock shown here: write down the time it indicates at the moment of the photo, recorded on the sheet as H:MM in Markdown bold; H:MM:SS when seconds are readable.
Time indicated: **3:00**
